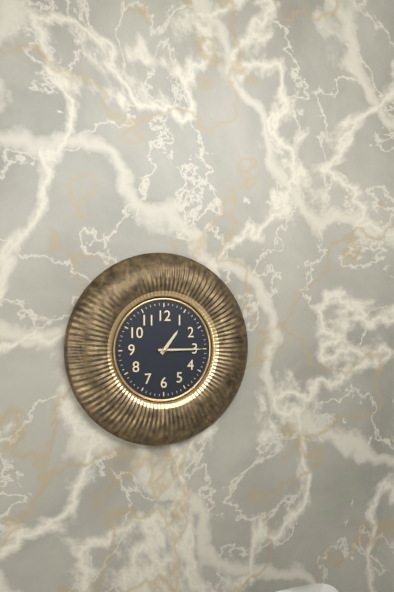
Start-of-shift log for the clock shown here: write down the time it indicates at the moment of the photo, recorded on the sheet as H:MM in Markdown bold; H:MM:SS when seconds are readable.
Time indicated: **1:15**
